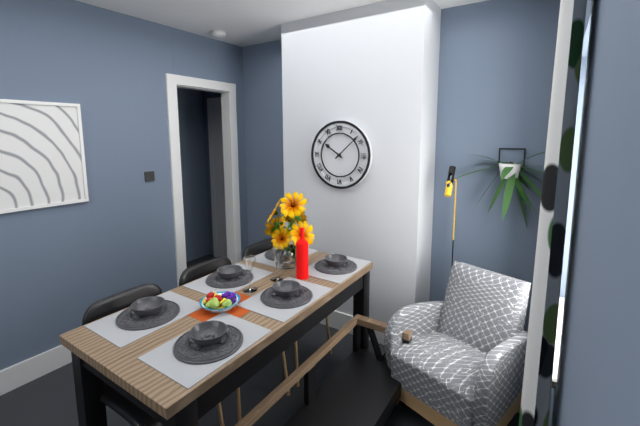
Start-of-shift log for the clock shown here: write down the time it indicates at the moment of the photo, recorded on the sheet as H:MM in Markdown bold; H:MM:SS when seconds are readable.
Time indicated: **10:08**
